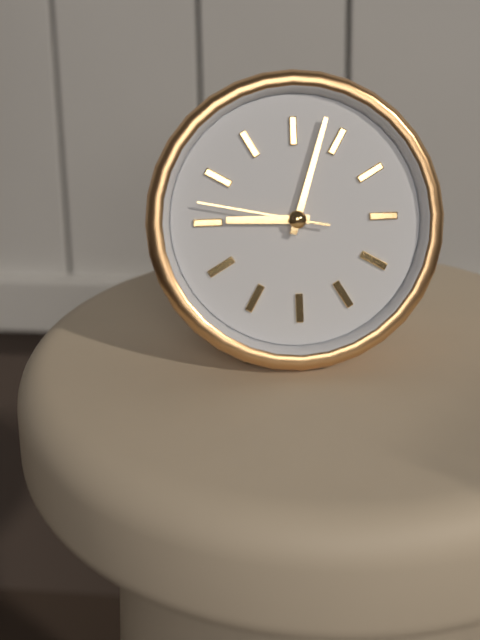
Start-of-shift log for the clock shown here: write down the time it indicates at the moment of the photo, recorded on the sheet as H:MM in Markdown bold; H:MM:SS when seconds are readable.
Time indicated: **9:03:47**
